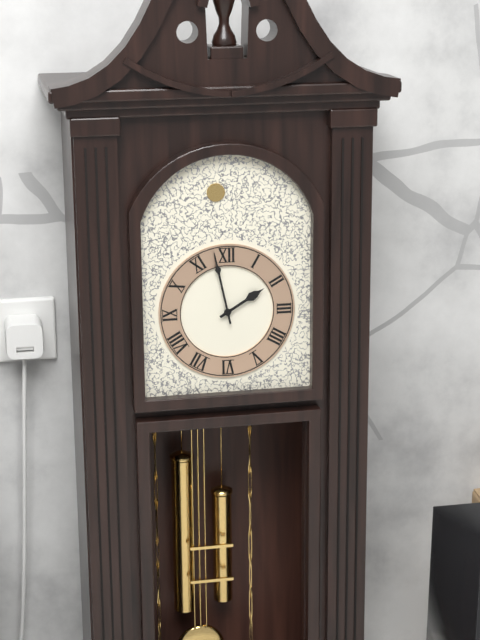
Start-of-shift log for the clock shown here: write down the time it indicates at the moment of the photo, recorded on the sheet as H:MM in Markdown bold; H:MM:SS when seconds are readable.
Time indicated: **1:58**
